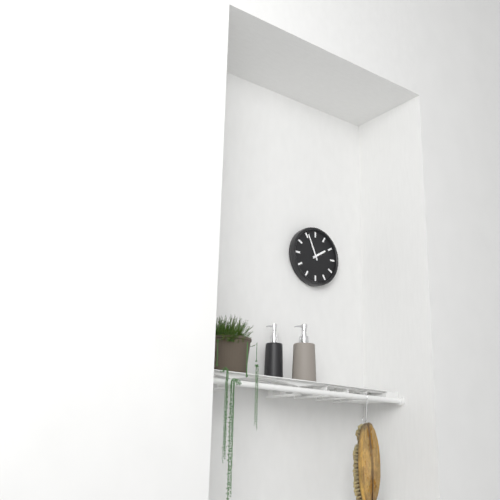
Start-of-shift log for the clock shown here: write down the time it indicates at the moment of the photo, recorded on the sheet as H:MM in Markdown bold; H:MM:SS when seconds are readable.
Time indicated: **1:56**
